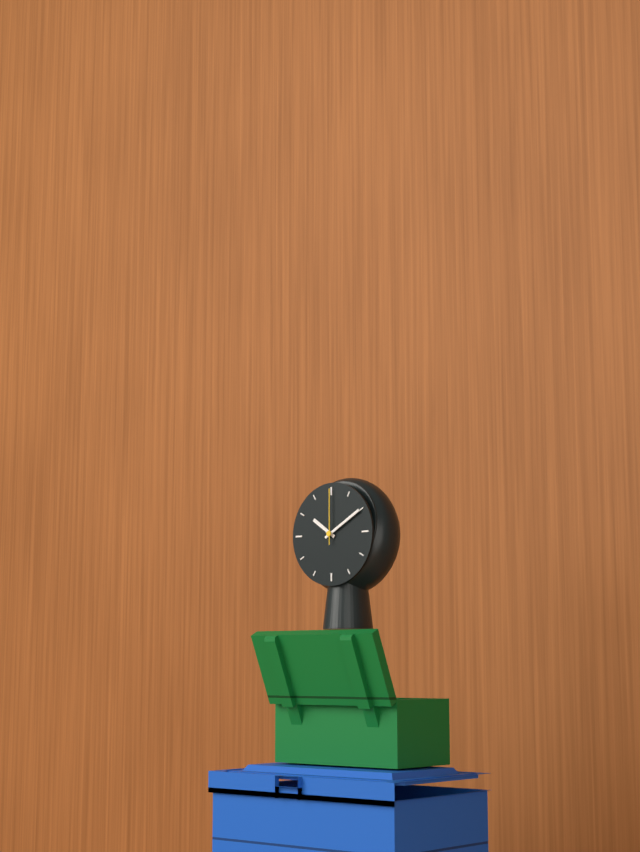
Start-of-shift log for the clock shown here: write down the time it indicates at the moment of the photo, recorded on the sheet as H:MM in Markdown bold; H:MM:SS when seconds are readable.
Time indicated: **10:10:00**
